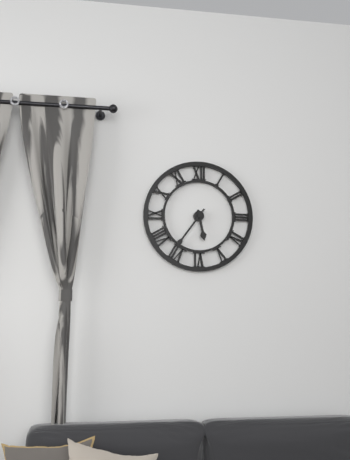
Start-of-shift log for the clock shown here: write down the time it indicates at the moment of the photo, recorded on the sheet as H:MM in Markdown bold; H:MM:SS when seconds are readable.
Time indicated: **5:36**
